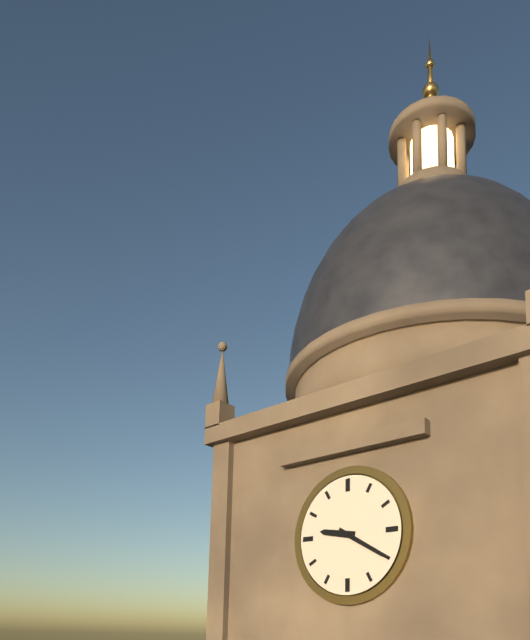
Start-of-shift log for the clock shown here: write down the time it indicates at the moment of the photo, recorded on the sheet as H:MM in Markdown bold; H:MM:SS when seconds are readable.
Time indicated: **9:20**
